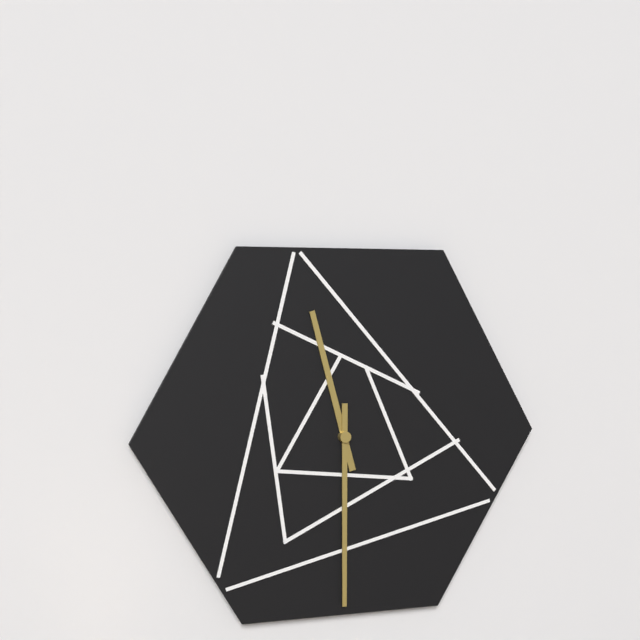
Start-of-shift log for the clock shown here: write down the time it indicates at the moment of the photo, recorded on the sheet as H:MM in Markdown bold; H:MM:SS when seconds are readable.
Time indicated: **11:30**
